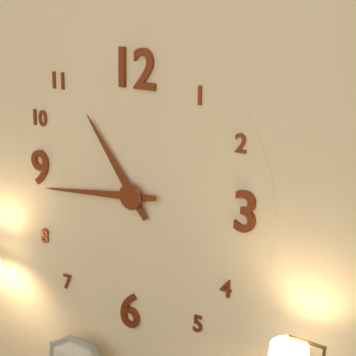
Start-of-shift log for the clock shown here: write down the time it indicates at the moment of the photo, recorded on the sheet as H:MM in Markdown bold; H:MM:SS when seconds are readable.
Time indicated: **10:44**
